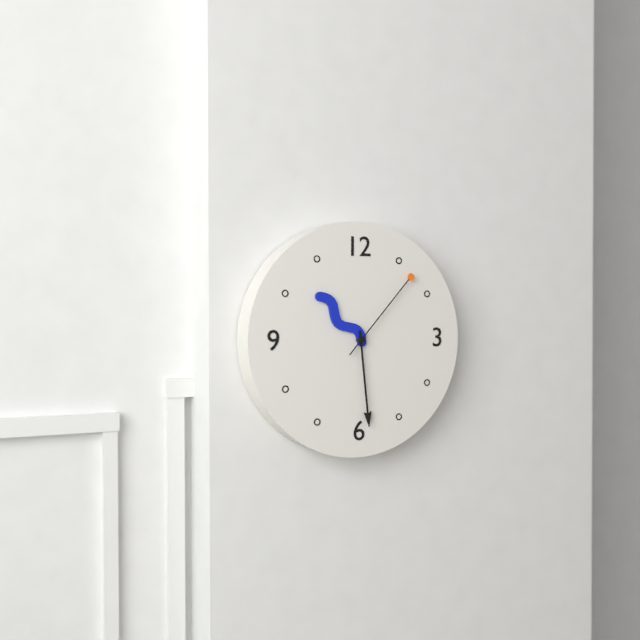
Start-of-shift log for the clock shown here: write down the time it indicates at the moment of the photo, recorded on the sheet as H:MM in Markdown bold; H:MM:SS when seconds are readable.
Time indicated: **10:29:07**
